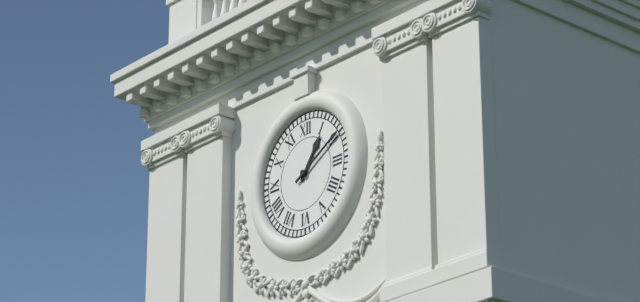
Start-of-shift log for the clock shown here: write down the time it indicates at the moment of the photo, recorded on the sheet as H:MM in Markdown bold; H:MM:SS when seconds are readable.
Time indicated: **1:10**
